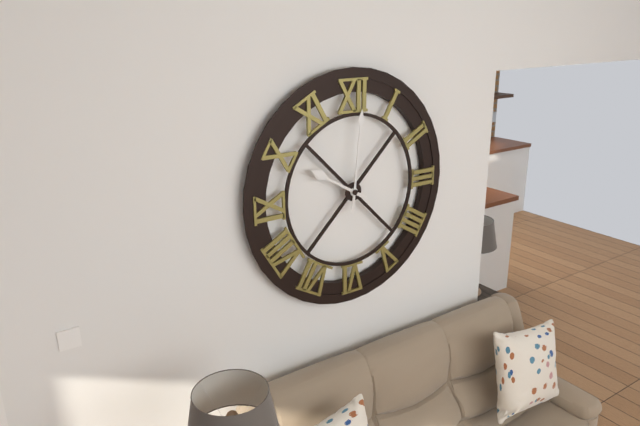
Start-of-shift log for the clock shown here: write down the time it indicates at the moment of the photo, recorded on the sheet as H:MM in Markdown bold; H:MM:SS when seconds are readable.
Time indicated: **10:01**
